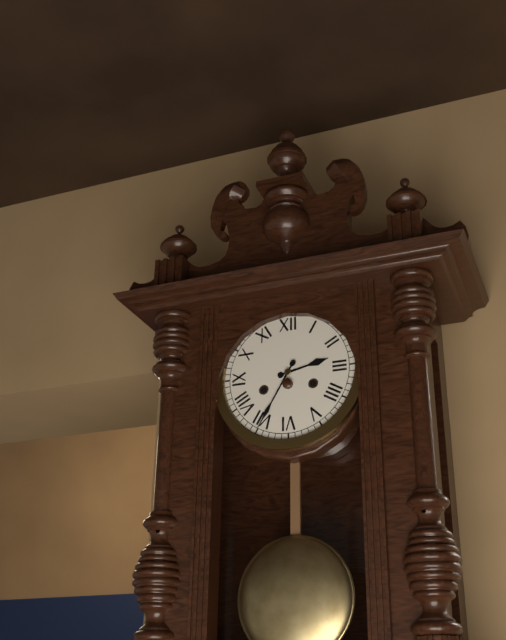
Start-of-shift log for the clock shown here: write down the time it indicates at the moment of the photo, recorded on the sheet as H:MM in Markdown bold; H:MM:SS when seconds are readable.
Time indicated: **2:35**
